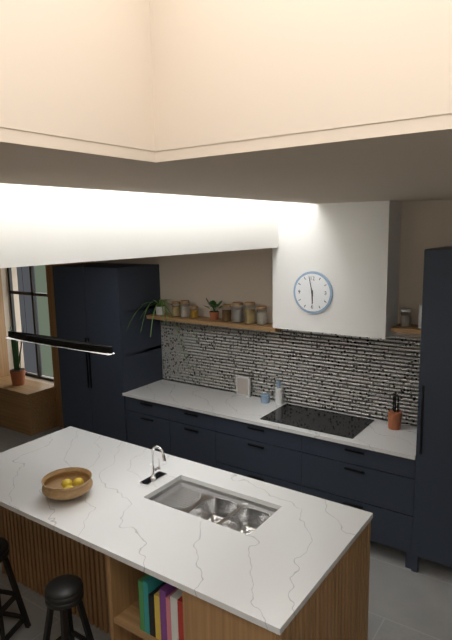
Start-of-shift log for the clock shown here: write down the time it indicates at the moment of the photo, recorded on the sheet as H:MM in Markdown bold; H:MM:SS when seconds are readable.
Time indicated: **5:58**
